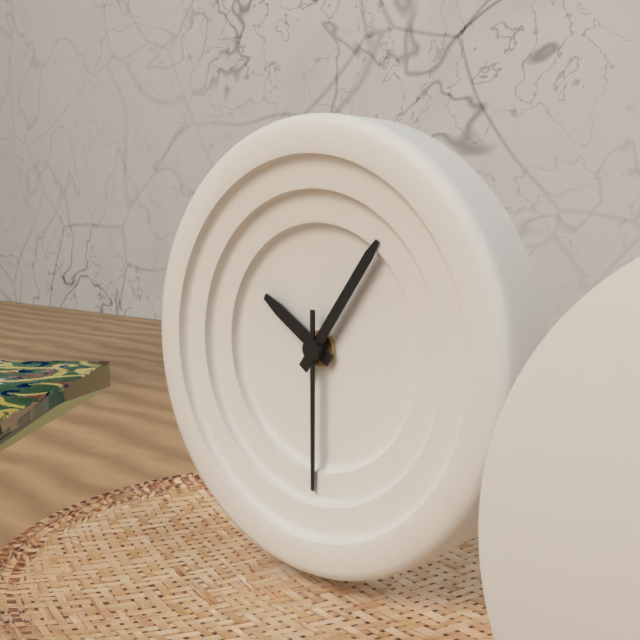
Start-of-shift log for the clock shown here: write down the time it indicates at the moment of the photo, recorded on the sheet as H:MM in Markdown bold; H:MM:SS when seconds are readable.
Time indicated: **10:06:30**
